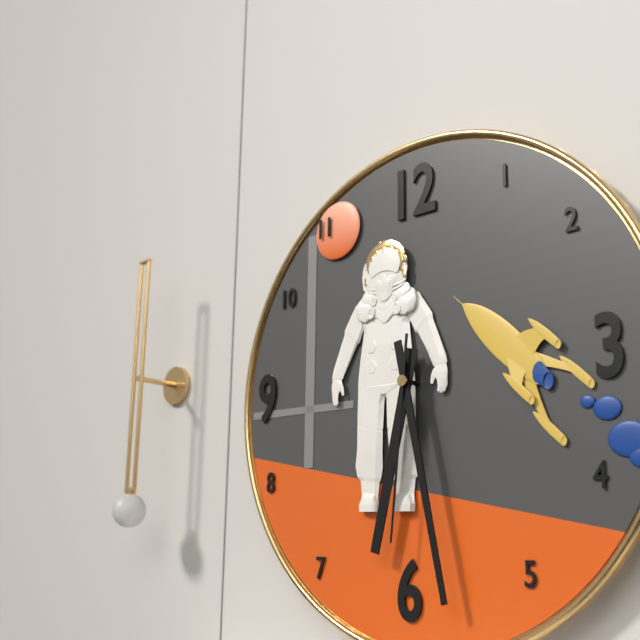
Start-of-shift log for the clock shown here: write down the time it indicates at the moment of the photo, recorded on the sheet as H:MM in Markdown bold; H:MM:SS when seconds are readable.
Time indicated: **6:28:31**
